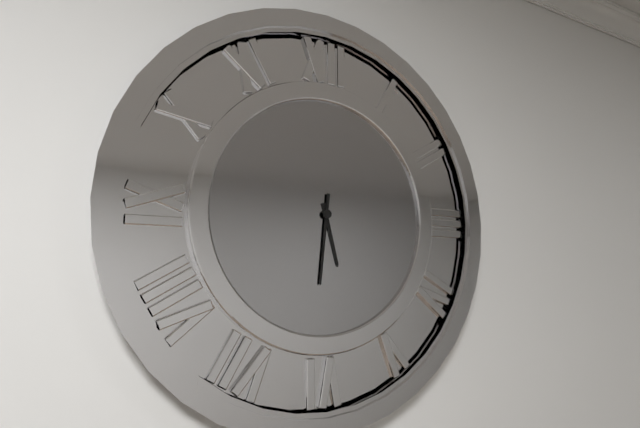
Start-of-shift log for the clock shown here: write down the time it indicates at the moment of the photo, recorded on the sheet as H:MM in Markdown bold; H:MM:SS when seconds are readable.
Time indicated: **5:31**
